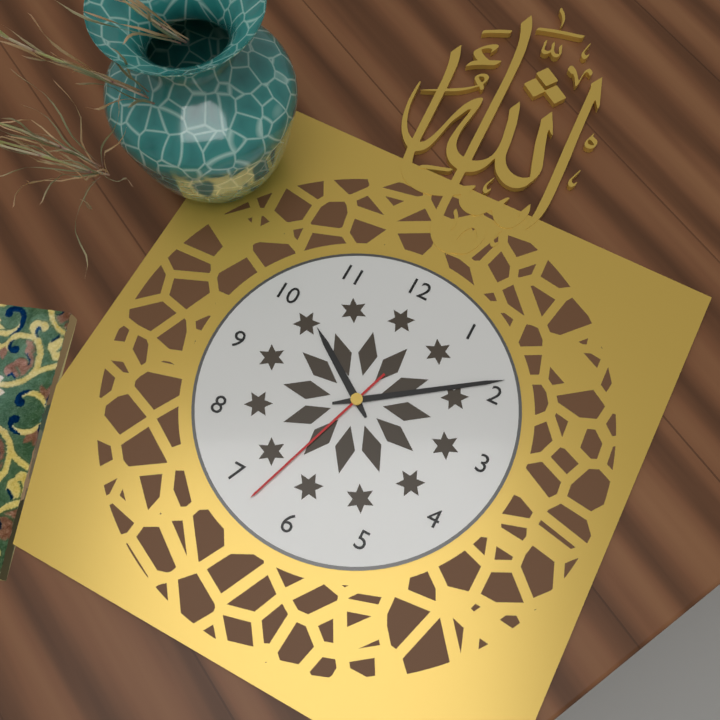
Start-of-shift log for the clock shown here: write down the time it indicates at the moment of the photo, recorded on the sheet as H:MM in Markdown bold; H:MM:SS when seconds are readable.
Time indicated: **10:09:33**
